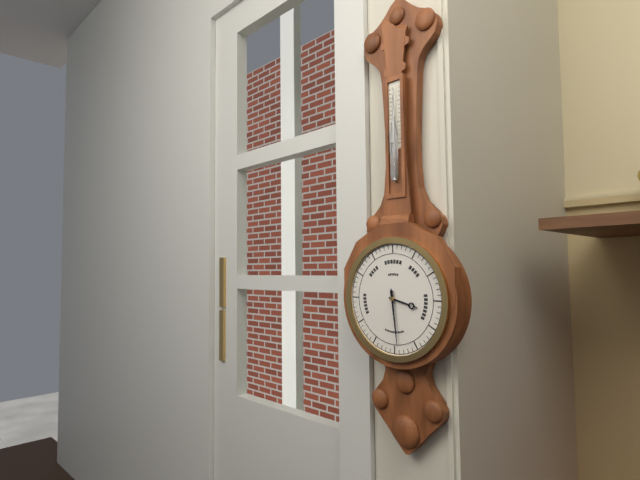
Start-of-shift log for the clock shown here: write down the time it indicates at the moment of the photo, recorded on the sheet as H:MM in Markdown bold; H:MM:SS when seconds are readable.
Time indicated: **3:29**
